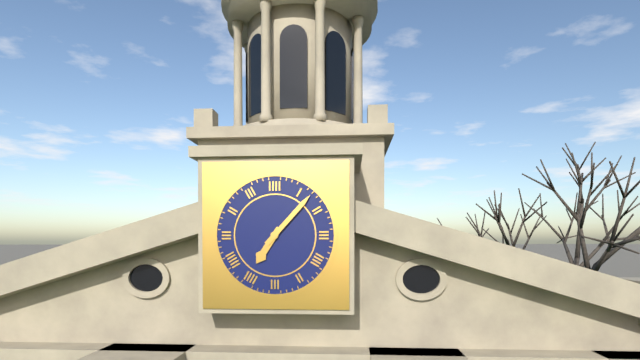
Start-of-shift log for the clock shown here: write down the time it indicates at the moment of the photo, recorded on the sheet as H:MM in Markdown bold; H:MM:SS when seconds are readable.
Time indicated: **7:07**
